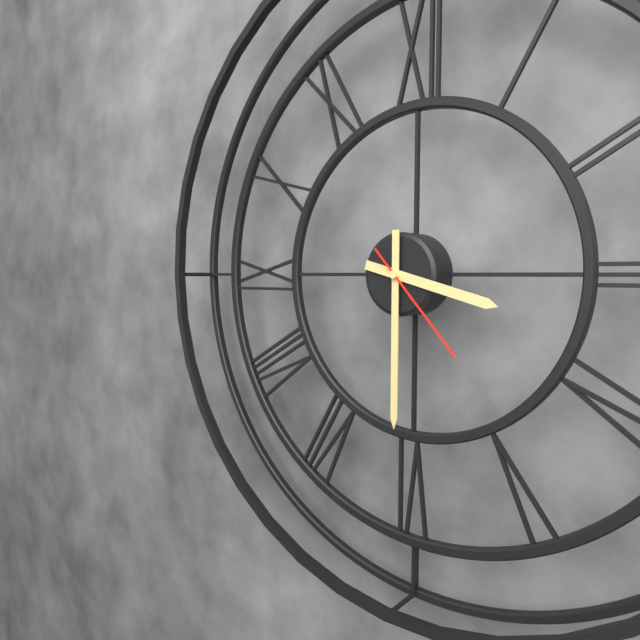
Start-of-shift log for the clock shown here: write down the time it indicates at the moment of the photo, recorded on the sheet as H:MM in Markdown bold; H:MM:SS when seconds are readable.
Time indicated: **3:30:23**
